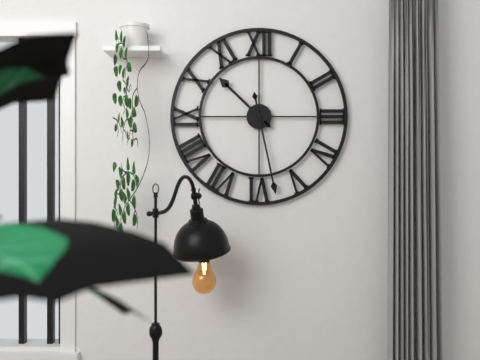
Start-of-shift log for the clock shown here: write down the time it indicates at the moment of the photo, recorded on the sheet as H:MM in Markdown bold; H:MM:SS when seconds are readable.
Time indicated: **10:28**
